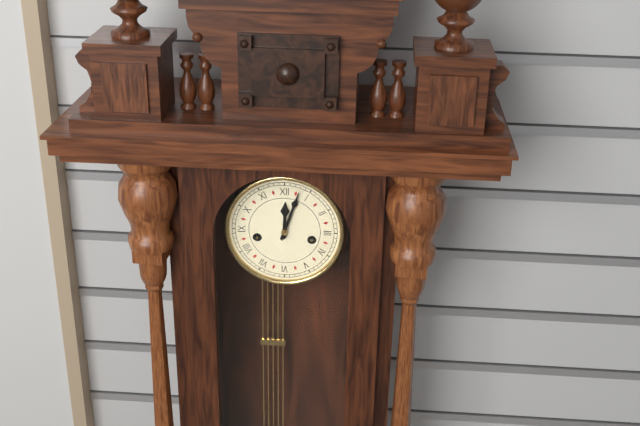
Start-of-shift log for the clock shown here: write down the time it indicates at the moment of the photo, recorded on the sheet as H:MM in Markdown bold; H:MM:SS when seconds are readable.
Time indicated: **12:03**
